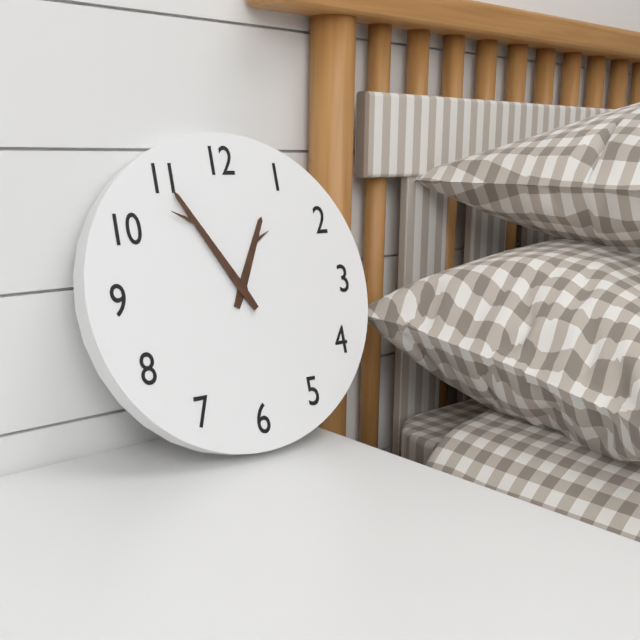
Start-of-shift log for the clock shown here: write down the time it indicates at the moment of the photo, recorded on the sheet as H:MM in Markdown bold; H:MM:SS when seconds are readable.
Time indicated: **12:55**
